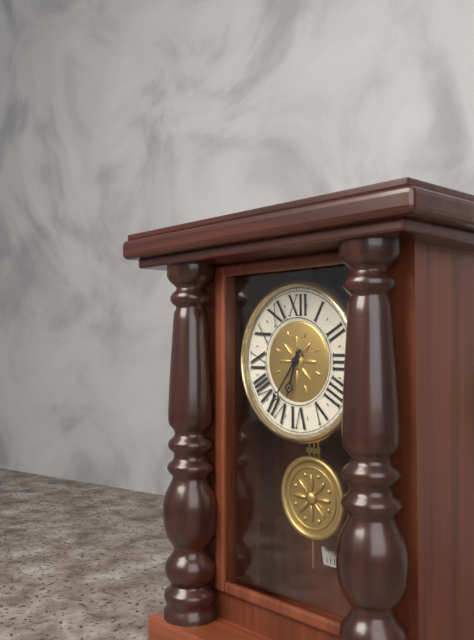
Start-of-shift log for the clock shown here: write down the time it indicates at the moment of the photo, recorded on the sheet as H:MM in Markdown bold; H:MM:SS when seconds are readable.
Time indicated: **6:36**
